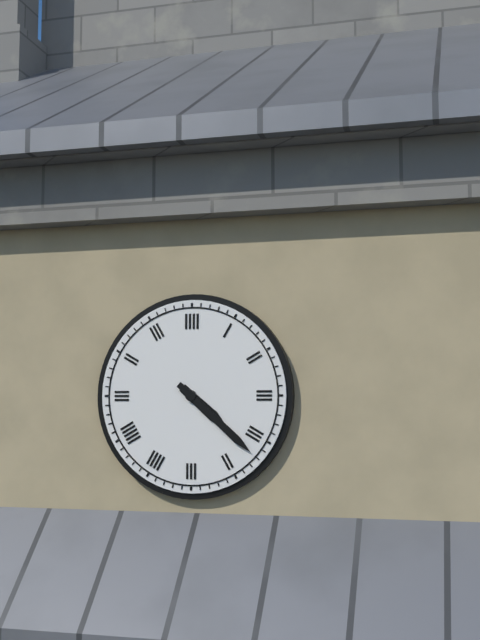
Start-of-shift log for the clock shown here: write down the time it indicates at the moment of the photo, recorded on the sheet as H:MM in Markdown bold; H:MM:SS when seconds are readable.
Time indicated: **4:22**
